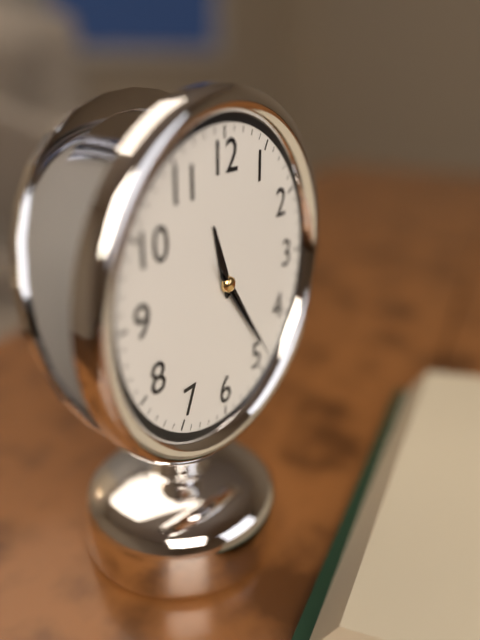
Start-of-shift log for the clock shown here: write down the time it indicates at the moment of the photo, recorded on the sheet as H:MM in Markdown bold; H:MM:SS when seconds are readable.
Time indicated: **11:24:24**
